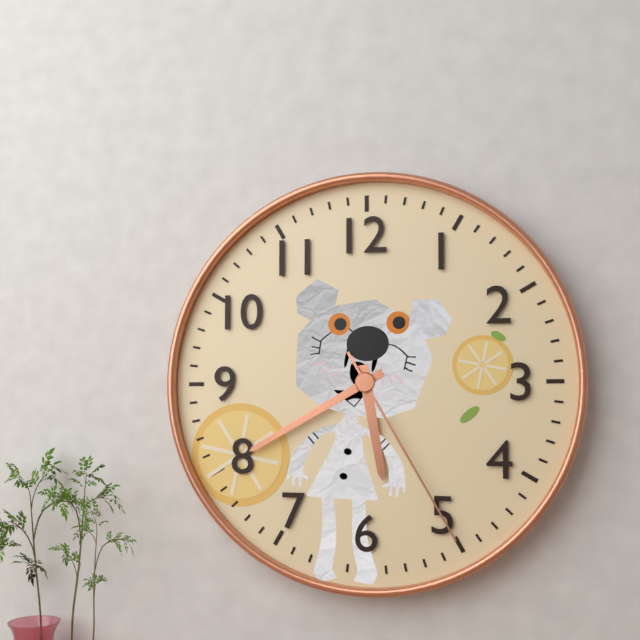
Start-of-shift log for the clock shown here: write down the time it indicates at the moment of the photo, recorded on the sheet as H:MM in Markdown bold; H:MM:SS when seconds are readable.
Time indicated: **5:40:25**
